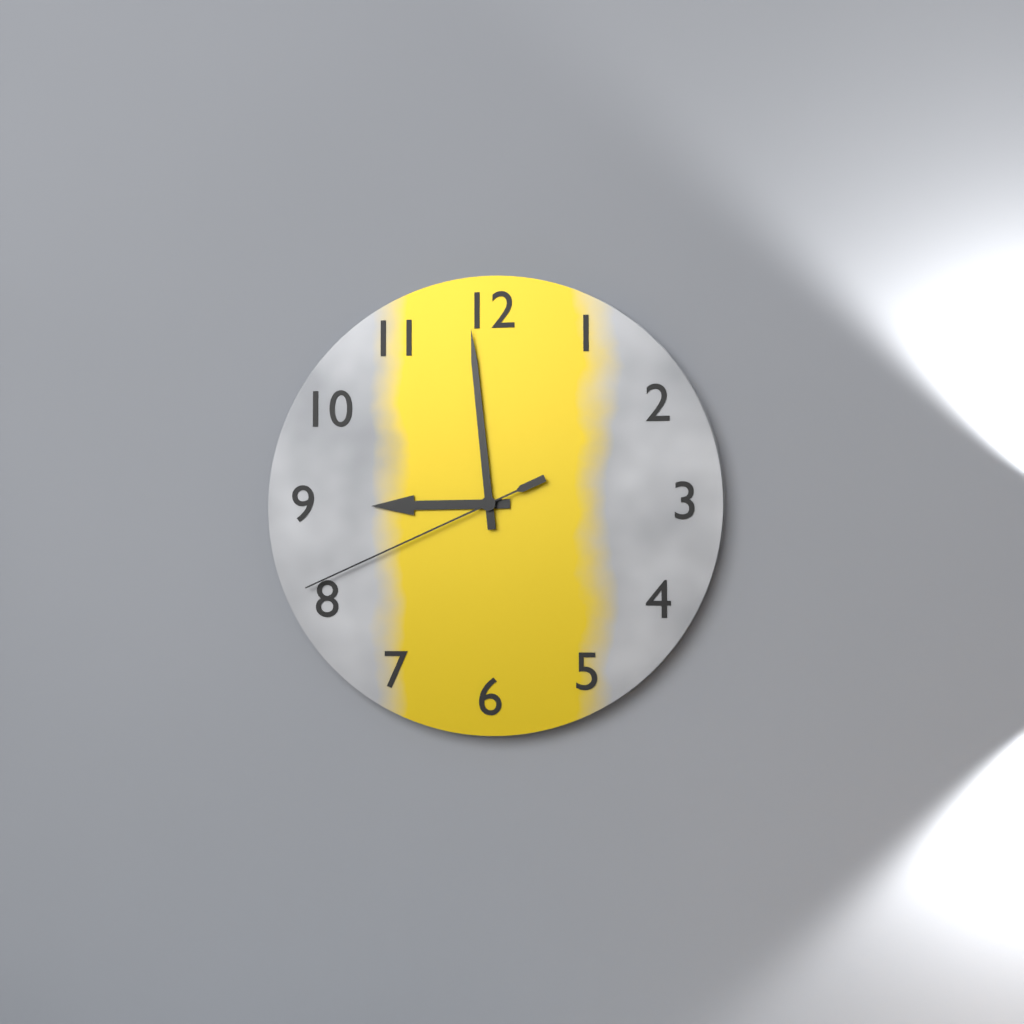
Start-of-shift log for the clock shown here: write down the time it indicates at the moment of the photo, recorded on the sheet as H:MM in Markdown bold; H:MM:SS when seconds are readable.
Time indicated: **8:59:41**
